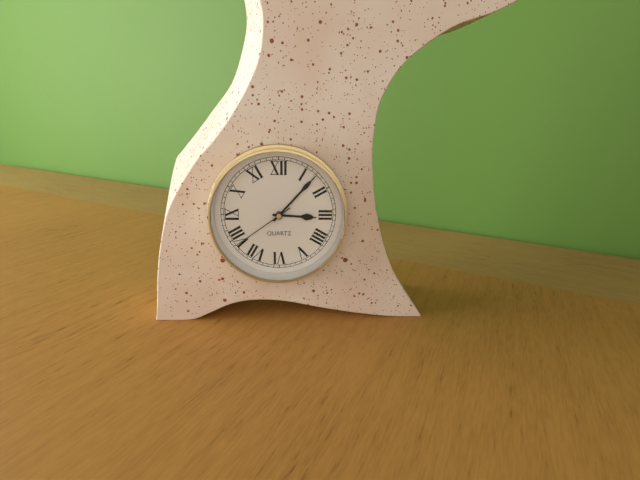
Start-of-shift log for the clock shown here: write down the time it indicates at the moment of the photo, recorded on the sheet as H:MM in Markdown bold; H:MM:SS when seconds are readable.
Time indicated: **3:07:39**
